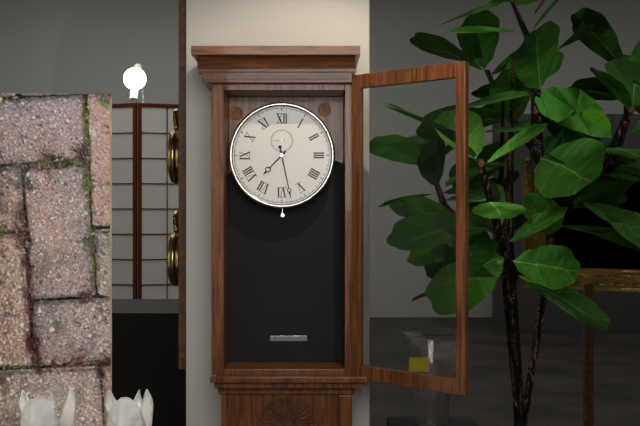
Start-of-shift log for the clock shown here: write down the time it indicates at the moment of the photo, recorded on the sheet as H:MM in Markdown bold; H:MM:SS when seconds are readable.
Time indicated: **7:28**
